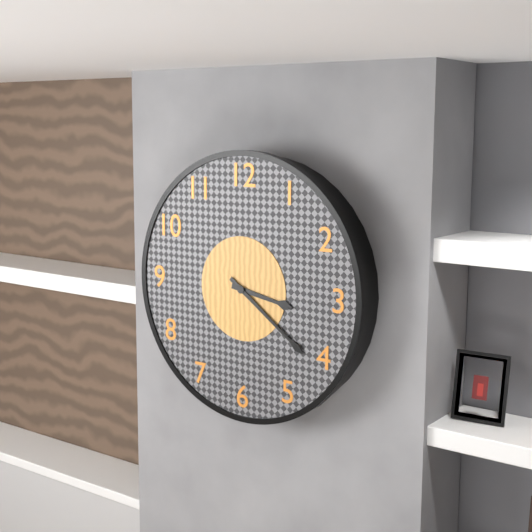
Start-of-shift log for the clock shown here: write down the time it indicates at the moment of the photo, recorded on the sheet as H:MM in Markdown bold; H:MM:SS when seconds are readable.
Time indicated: **3:21**
